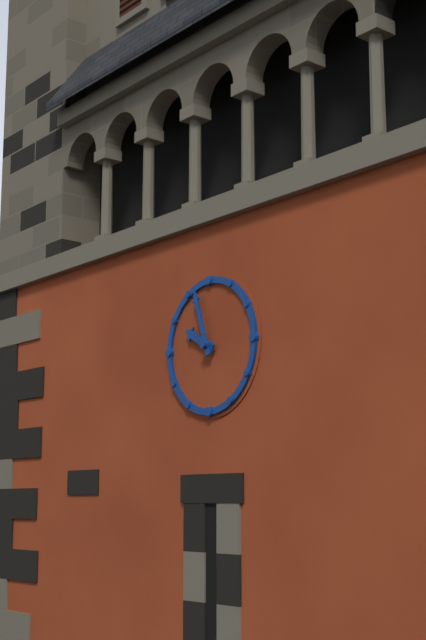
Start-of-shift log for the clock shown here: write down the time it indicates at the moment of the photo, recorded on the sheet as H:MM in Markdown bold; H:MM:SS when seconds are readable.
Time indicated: **9:57**
